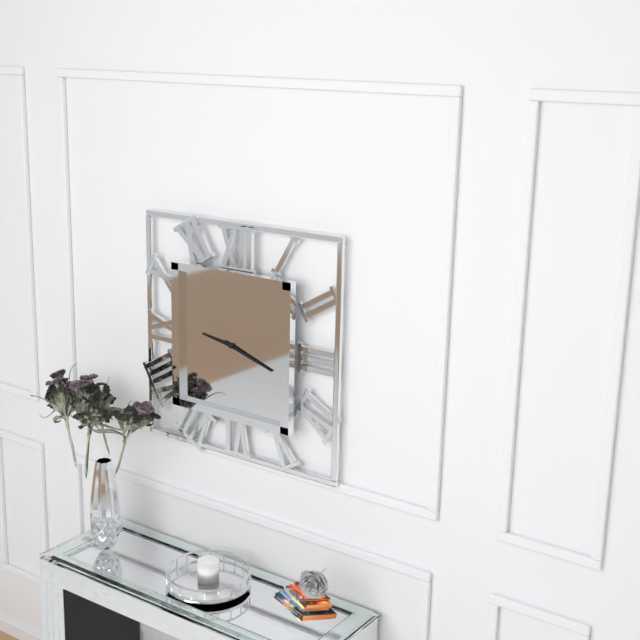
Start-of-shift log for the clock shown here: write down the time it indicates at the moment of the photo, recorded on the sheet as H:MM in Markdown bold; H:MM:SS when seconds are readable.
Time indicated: **9:18**
